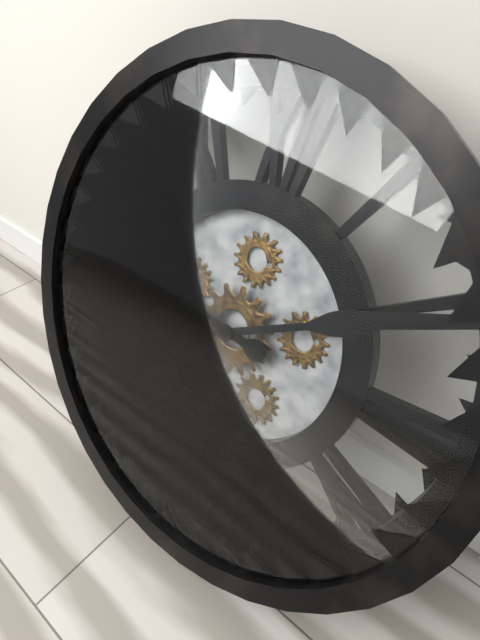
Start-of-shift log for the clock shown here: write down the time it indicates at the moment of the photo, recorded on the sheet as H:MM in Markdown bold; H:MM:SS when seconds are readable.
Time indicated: **9:10**
